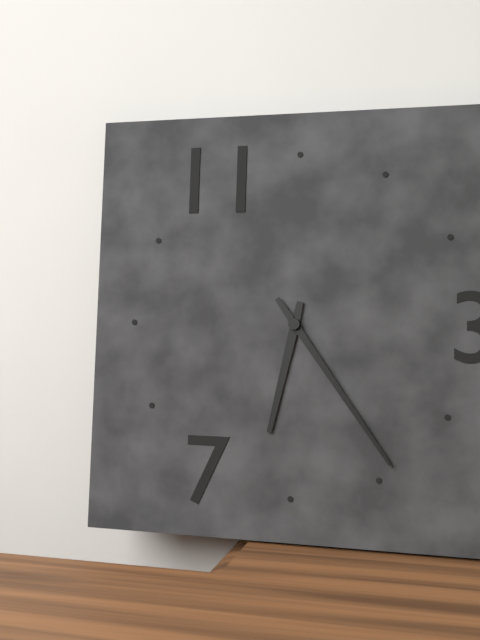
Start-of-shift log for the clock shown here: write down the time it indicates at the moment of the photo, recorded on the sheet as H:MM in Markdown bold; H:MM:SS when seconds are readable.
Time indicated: **6:24**
